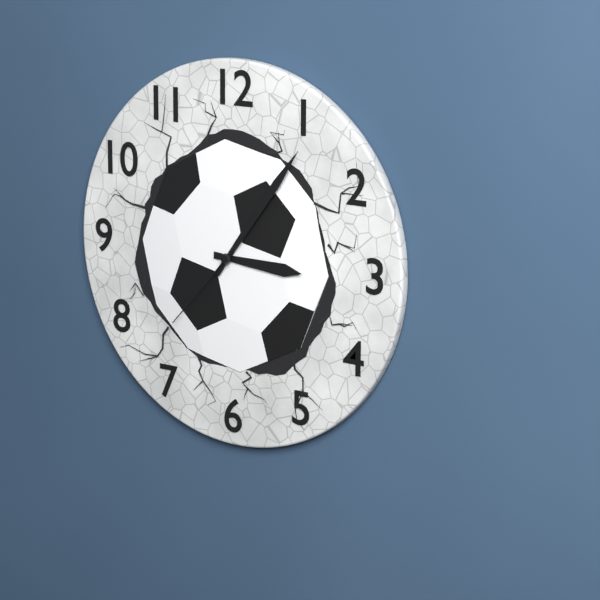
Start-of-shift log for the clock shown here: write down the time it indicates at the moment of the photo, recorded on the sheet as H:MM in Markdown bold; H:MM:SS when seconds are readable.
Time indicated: **3:06:37**
